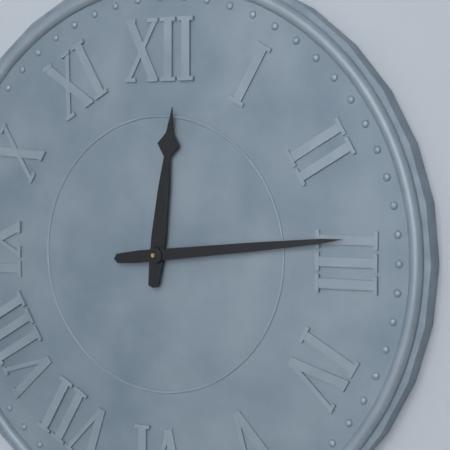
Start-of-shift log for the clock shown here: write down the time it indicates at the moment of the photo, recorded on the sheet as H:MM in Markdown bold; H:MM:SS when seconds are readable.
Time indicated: **12:14**
